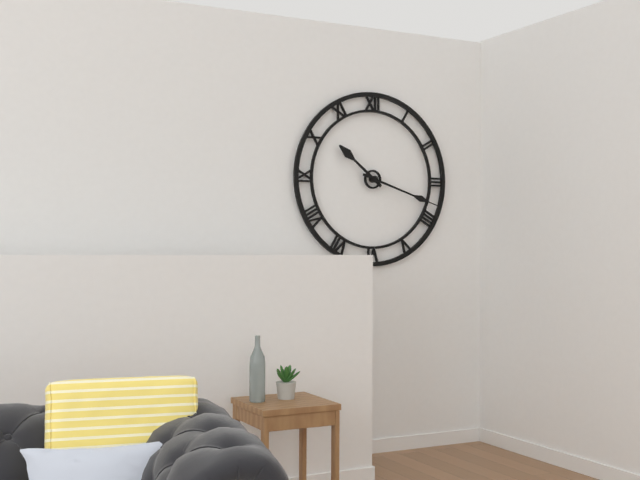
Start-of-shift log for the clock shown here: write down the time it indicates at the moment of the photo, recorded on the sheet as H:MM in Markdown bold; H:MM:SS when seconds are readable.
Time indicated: **10:18**
